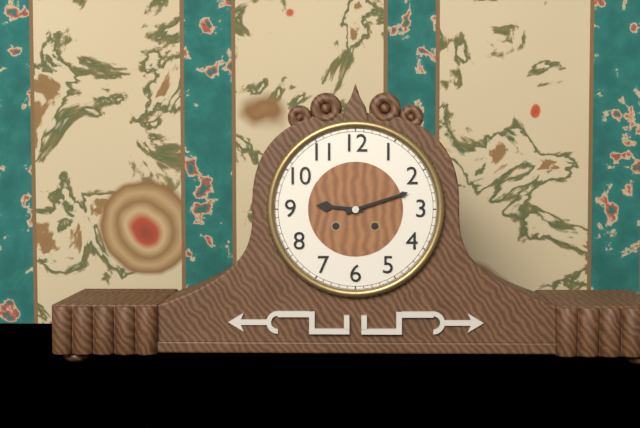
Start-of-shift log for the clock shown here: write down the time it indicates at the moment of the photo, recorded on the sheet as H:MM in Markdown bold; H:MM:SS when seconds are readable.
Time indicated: **9:12**
